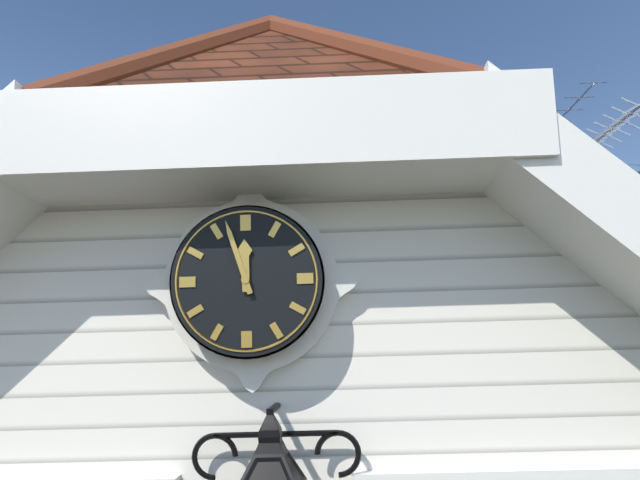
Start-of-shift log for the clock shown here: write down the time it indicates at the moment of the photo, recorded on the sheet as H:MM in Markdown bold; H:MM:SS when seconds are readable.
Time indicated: **11:57**
